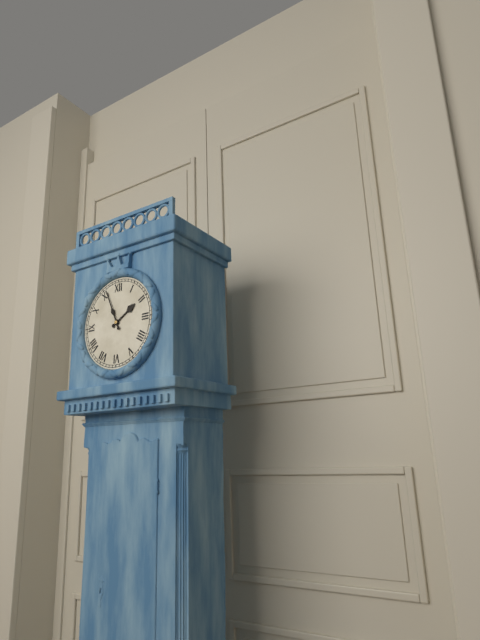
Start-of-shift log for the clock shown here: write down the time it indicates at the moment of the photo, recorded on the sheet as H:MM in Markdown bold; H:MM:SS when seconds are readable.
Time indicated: **1:56**
